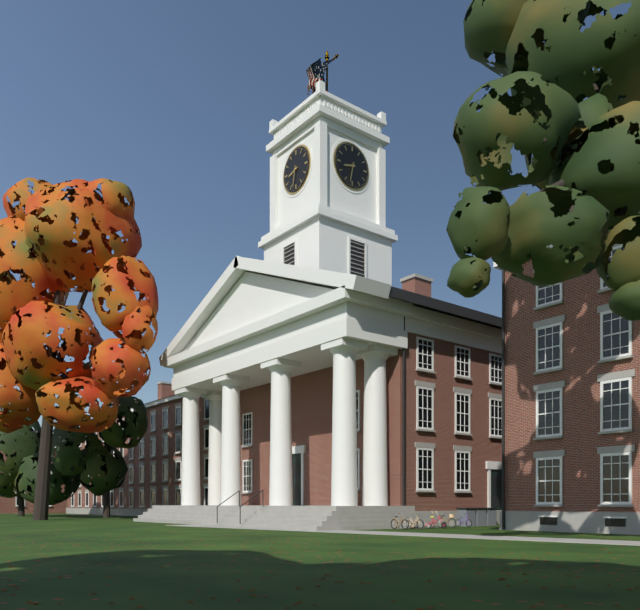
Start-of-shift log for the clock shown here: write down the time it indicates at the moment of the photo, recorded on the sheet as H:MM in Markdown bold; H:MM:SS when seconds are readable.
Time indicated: **8:32**
